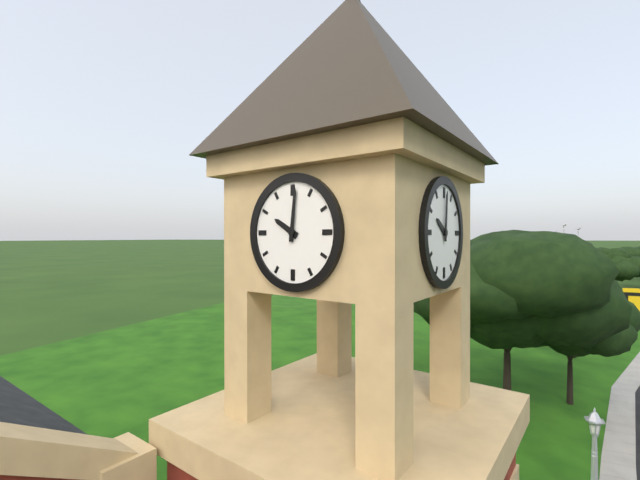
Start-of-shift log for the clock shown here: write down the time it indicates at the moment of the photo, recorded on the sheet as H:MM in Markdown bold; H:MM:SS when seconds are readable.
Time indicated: **10:01**
